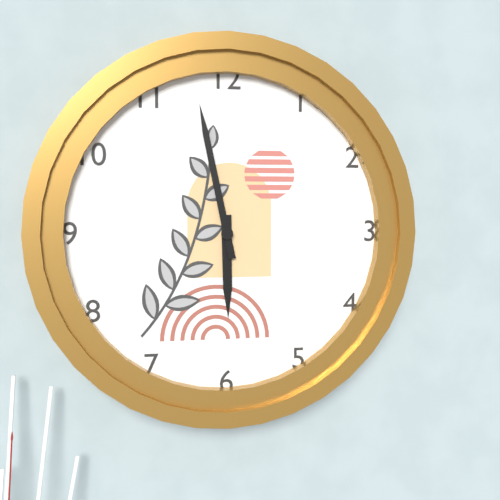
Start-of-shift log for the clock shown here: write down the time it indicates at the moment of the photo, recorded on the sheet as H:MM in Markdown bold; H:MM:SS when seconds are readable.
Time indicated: **5:58**
